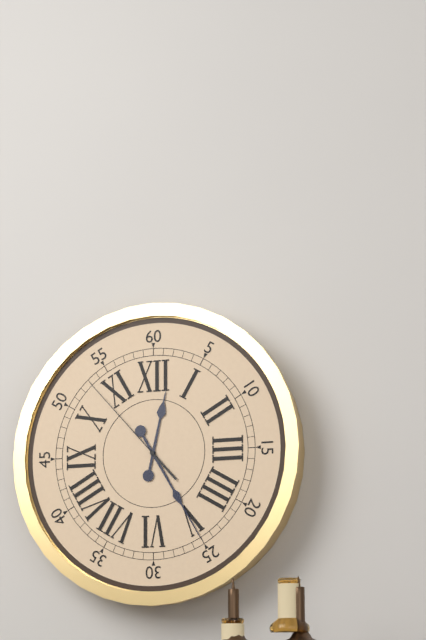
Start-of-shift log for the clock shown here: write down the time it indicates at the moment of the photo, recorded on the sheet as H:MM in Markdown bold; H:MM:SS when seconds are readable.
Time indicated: **12:25:53**
